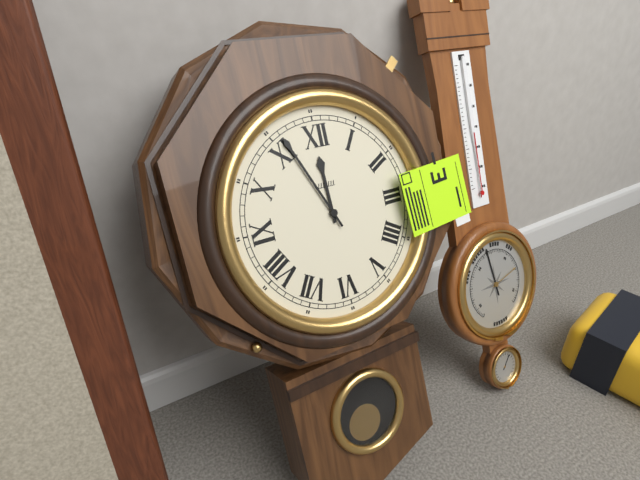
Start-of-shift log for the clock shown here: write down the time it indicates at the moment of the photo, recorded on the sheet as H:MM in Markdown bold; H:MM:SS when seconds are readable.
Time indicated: **11:56**
